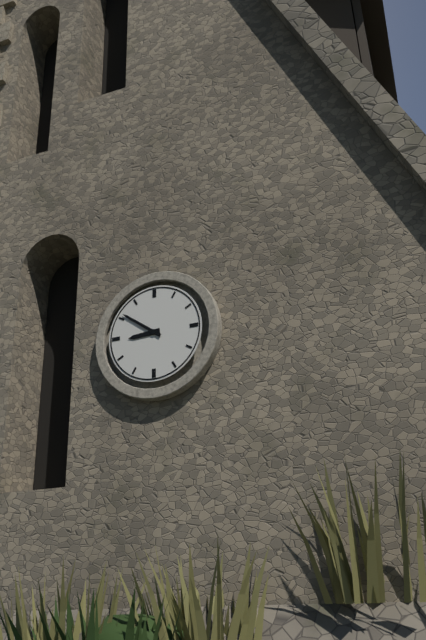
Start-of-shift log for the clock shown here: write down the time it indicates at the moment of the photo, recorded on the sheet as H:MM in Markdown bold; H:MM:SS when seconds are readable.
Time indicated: **8:51**
